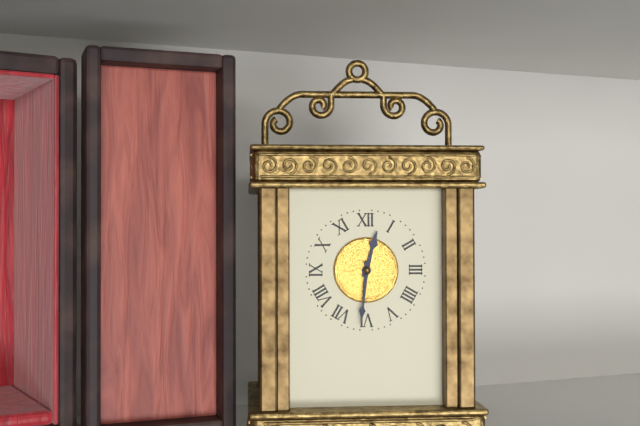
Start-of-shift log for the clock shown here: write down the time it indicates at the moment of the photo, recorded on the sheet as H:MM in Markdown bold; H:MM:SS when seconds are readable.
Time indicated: **12:31**
